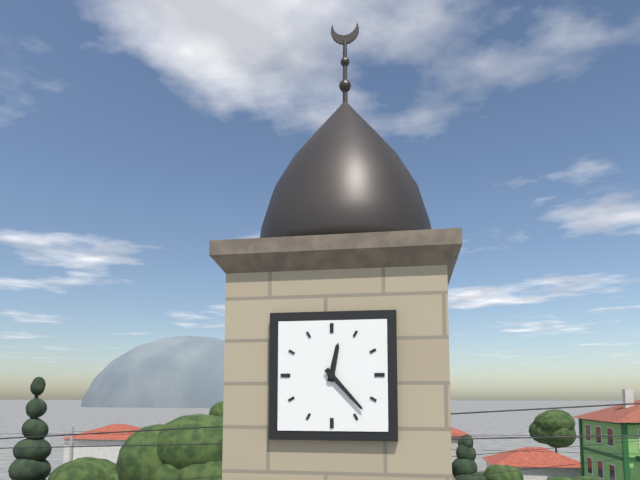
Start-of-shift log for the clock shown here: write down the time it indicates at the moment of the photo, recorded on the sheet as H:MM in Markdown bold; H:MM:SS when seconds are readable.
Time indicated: **12:23**
